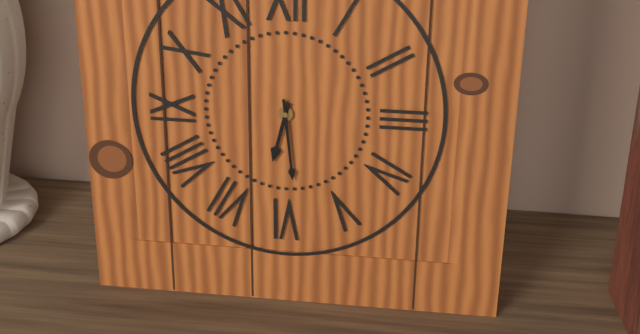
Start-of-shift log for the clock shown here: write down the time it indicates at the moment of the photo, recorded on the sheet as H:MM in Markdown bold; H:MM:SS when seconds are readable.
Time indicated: **6:29**
